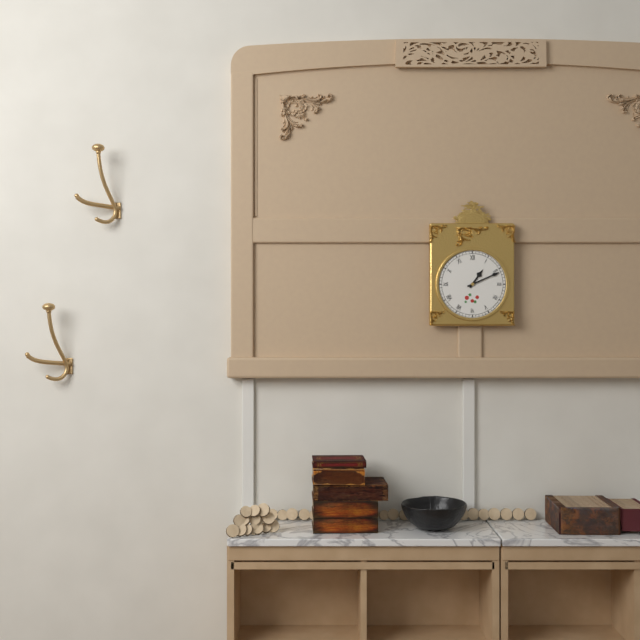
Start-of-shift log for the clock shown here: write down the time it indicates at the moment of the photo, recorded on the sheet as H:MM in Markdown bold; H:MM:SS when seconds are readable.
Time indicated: **1:11**
